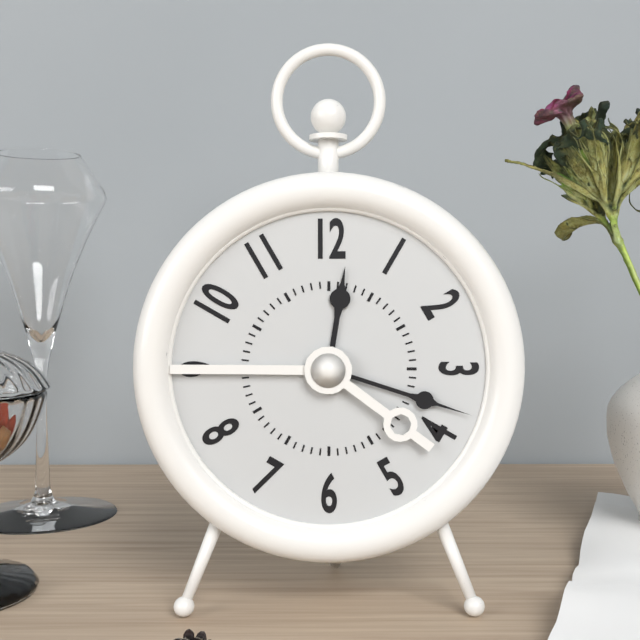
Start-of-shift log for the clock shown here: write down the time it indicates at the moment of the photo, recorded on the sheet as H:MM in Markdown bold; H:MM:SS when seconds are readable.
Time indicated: **12:18**
